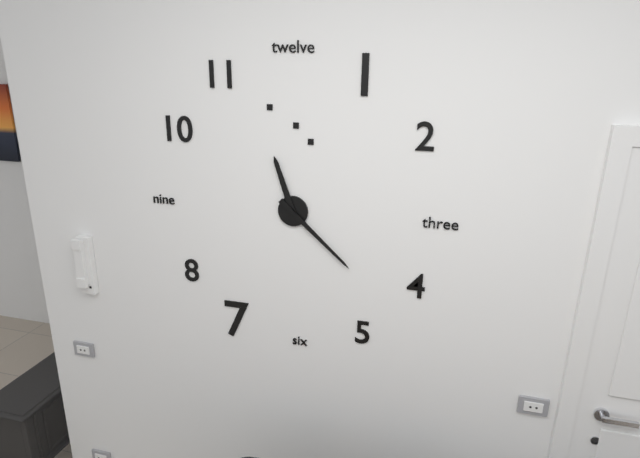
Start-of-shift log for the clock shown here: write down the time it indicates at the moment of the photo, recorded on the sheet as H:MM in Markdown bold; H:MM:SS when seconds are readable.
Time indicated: **11:22**
